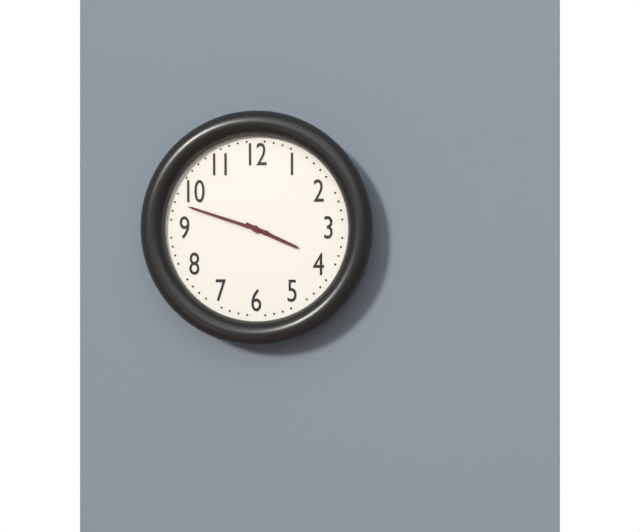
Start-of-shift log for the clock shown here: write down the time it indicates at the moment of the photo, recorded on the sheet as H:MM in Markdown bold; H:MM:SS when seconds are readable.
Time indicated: **3:48**
